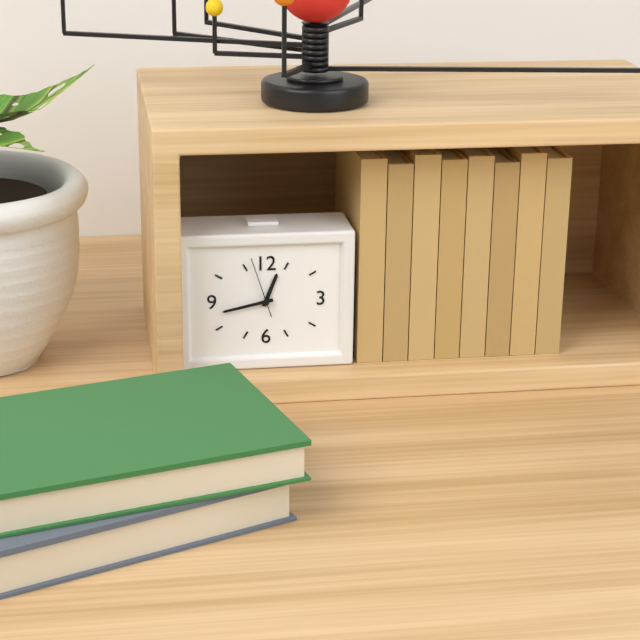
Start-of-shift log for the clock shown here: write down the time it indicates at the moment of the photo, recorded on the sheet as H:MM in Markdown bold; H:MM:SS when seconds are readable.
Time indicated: **12:43:57**
